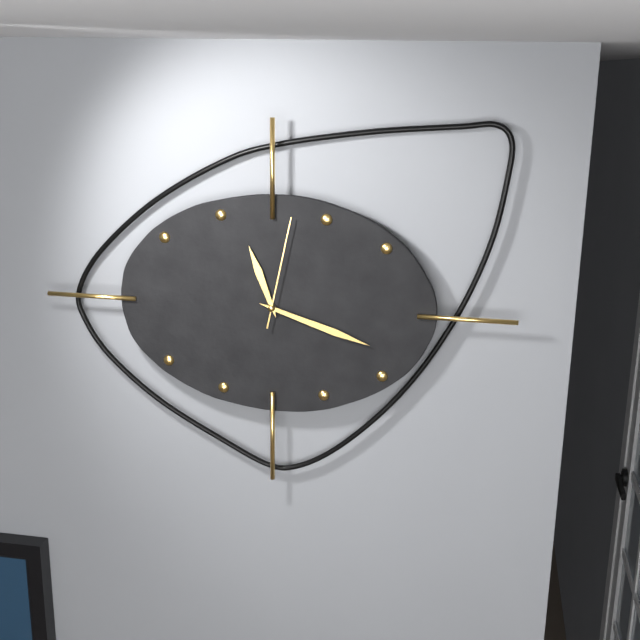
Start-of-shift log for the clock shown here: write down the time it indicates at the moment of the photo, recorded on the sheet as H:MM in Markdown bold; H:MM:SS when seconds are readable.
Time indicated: **11:18:02**
